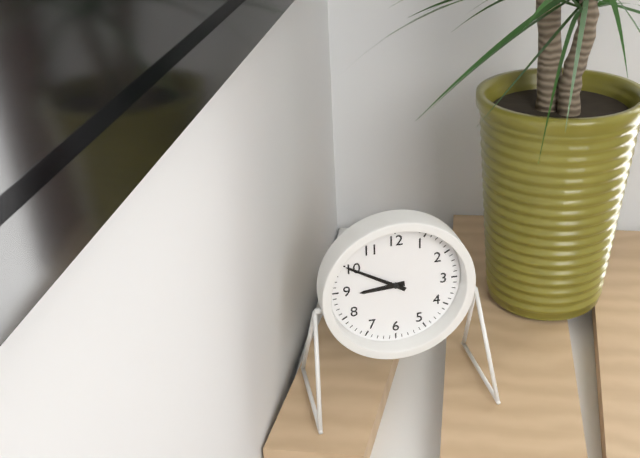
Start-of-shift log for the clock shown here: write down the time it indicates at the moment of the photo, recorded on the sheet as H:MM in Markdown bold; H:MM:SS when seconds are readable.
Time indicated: **8:50**
